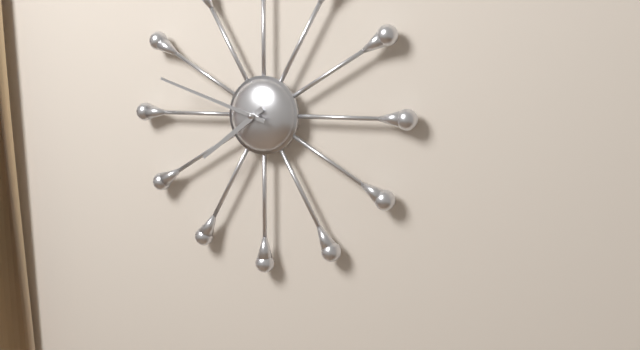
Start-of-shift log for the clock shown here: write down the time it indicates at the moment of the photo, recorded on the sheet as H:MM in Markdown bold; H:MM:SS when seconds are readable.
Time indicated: **7:48**
